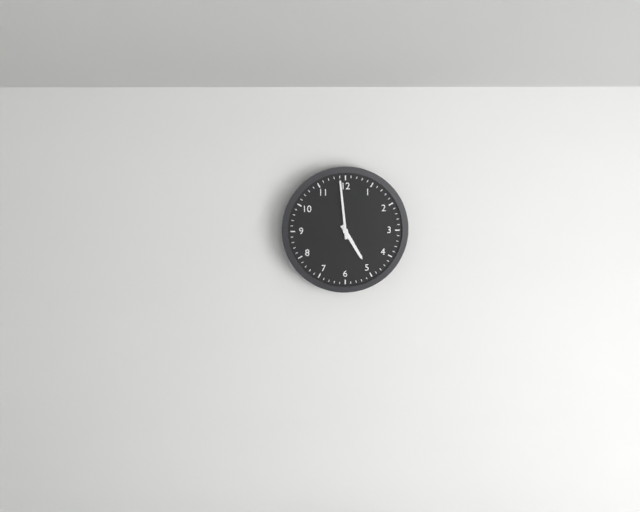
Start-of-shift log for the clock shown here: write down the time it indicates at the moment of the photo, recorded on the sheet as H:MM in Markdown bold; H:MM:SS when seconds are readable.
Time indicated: **4:59**
